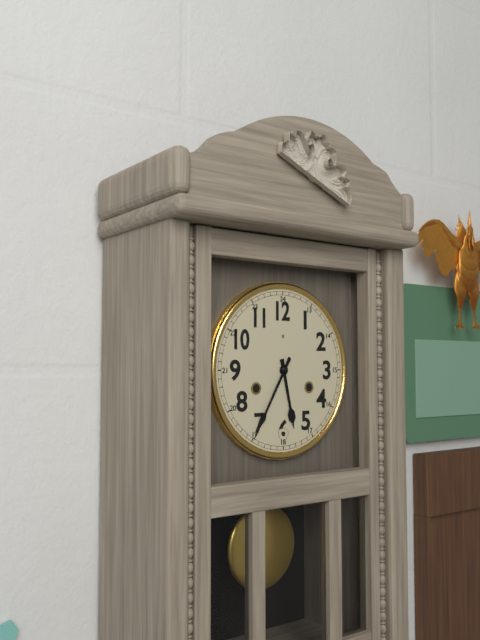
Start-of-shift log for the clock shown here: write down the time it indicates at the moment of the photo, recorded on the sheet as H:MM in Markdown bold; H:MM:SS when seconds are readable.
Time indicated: **5:35**
